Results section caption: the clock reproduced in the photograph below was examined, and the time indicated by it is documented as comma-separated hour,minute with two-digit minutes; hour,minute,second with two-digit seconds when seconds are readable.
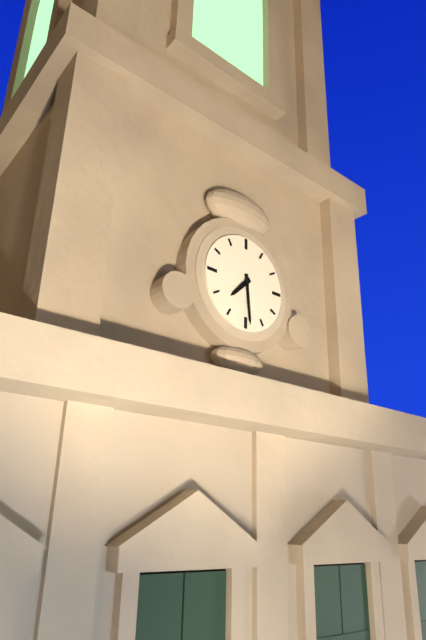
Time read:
7,29
